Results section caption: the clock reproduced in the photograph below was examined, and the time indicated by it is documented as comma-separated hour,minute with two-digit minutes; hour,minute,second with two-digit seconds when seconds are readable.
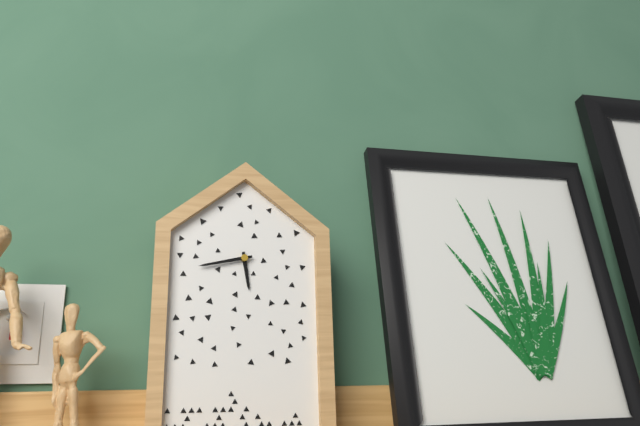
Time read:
5,43
